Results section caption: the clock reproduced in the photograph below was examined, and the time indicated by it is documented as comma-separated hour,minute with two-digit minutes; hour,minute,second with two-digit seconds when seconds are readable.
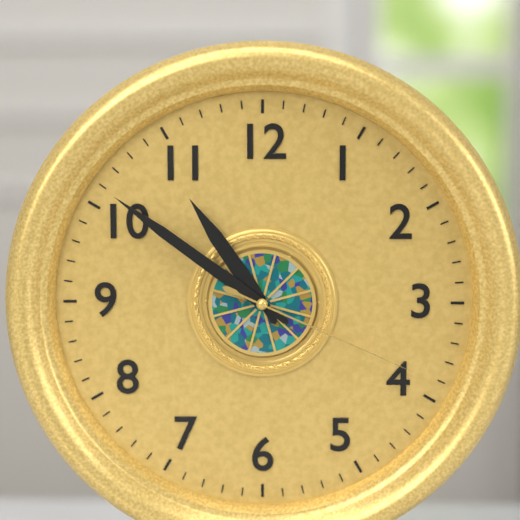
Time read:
10,51,19
